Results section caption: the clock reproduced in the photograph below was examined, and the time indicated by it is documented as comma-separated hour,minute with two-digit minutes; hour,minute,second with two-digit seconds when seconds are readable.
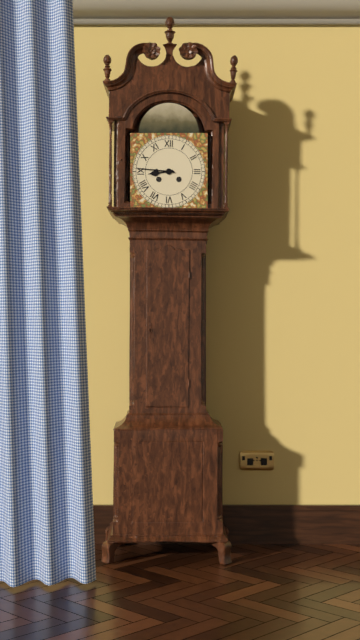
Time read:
8,46
